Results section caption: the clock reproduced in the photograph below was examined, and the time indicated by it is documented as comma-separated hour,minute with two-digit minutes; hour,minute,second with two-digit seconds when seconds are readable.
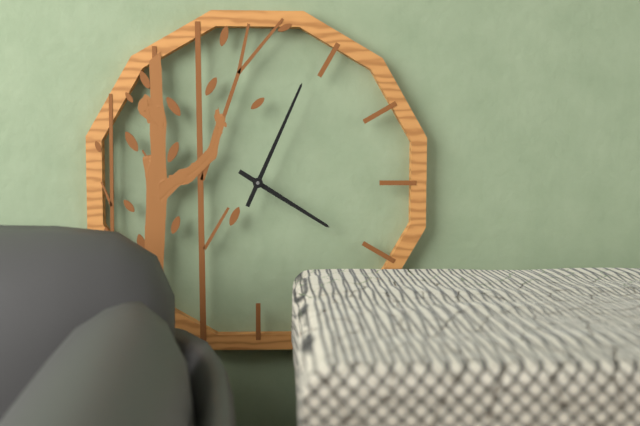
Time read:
4,04
